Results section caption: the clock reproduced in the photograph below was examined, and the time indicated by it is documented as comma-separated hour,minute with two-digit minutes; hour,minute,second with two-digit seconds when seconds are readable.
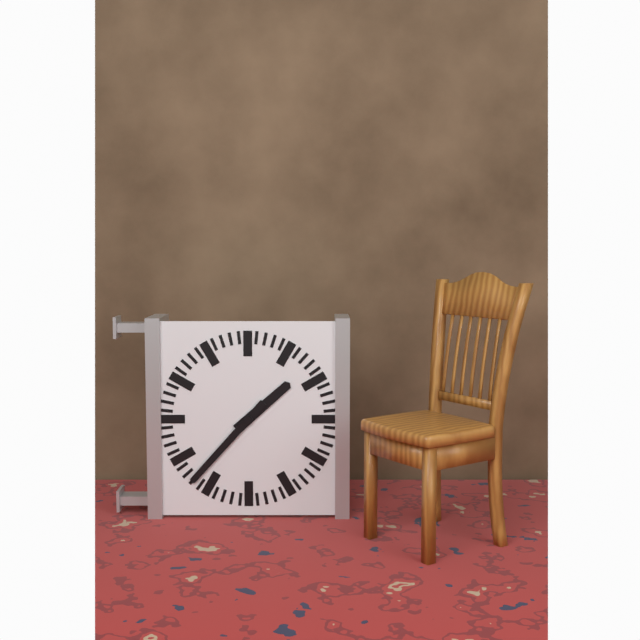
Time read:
1,37
